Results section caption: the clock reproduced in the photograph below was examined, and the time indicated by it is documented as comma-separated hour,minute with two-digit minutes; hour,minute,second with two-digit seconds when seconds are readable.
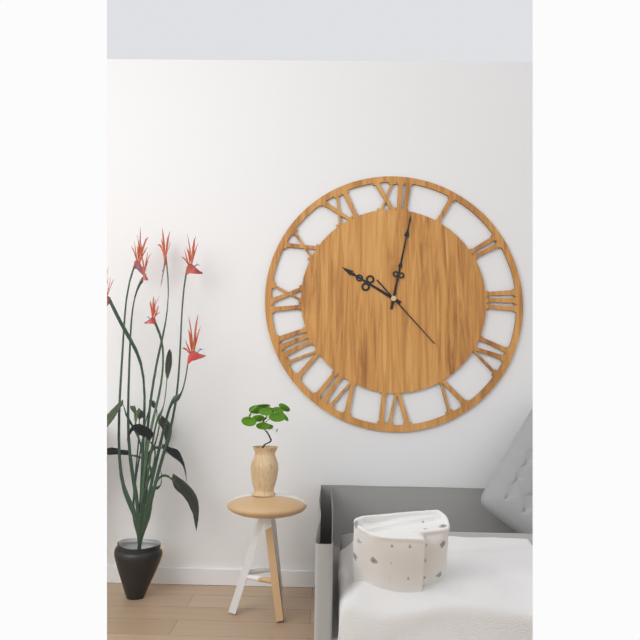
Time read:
10,02,23
